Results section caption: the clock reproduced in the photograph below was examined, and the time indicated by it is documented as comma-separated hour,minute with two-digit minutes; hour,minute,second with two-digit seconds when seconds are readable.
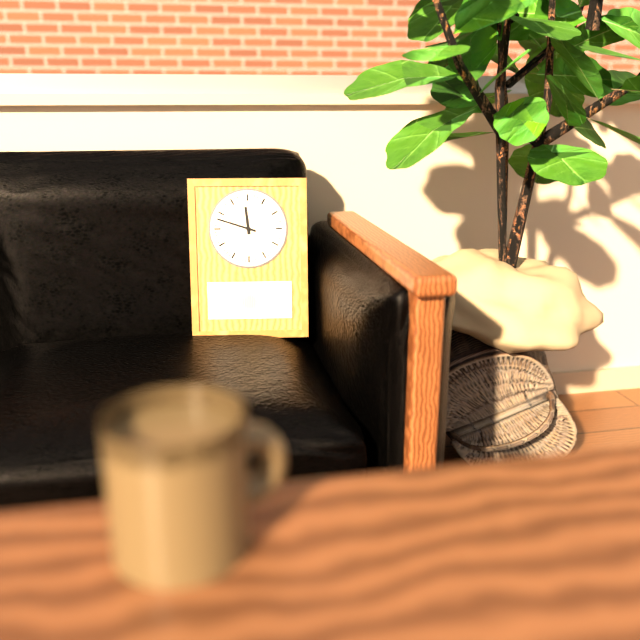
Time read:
11,48
